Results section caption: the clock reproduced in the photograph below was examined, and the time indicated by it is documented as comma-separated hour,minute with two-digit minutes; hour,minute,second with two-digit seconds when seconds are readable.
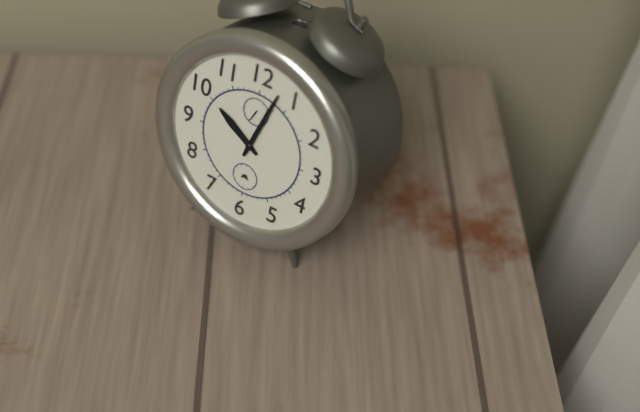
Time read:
10,03
